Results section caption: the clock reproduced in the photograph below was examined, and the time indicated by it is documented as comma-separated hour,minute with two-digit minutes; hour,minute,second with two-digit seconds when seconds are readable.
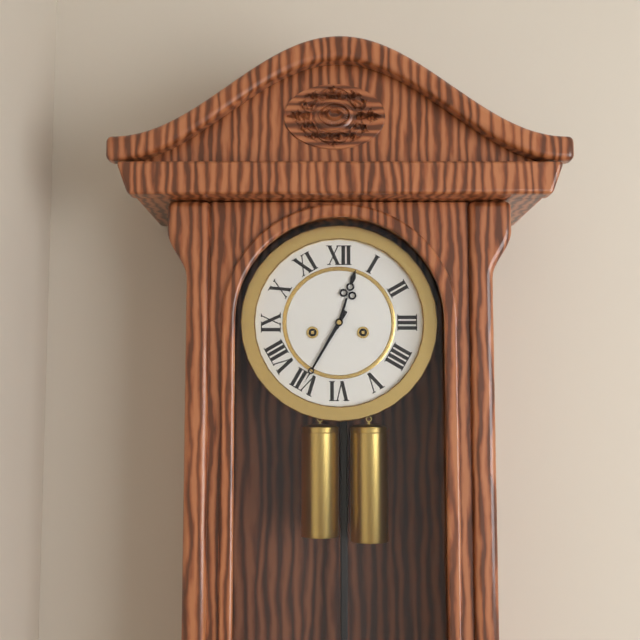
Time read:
12,35
